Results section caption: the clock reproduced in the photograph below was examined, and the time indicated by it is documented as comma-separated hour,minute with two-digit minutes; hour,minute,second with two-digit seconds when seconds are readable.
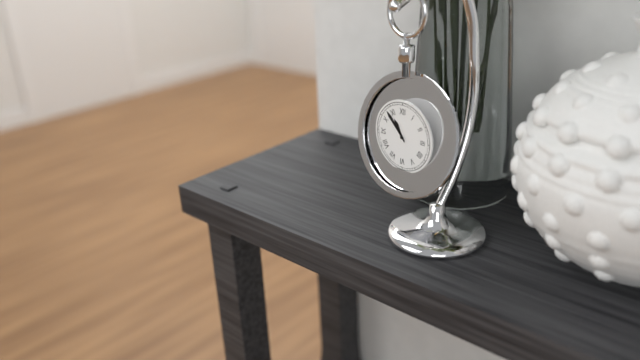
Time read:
10,53
